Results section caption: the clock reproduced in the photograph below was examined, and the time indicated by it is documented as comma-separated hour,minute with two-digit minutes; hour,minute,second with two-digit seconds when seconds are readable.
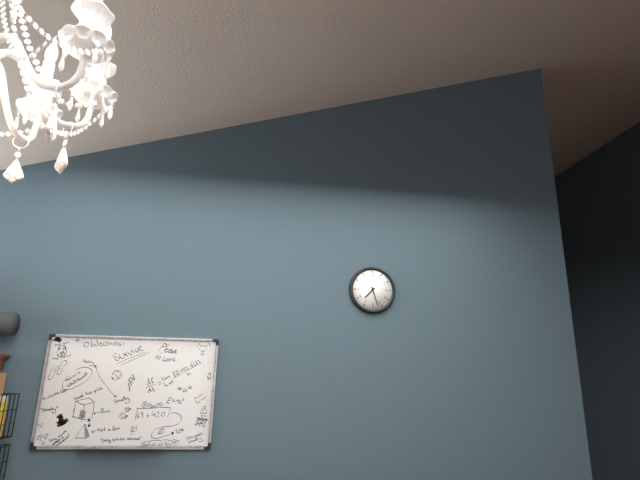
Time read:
7,27
